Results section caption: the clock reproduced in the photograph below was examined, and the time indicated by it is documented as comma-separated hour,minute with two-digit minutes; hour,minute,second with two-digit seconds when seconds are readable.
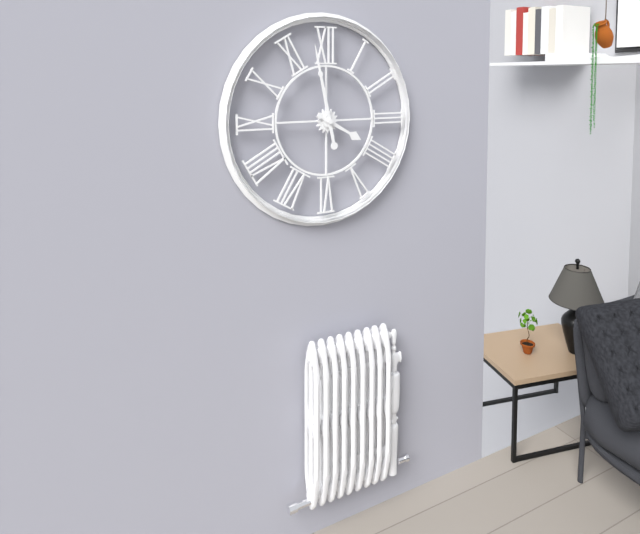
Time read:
3,58
